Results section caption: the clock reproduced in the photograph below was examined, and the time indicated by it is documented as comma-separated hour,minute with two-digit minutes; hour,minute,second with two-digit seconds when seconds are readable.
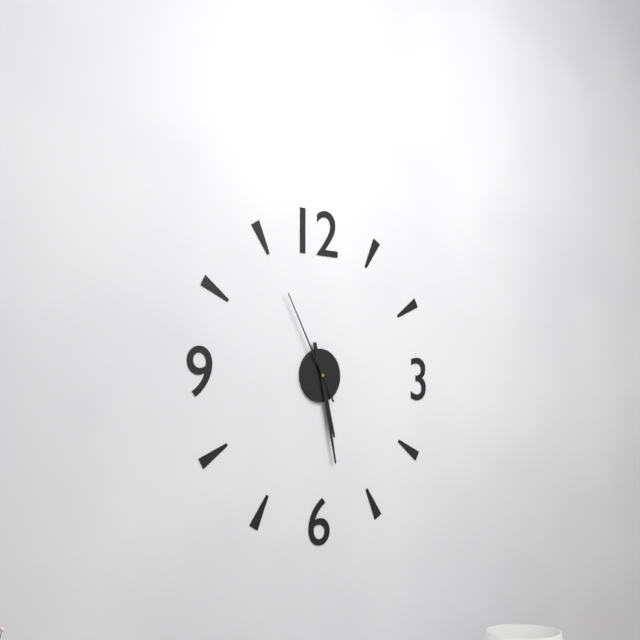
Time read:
5,28,55
